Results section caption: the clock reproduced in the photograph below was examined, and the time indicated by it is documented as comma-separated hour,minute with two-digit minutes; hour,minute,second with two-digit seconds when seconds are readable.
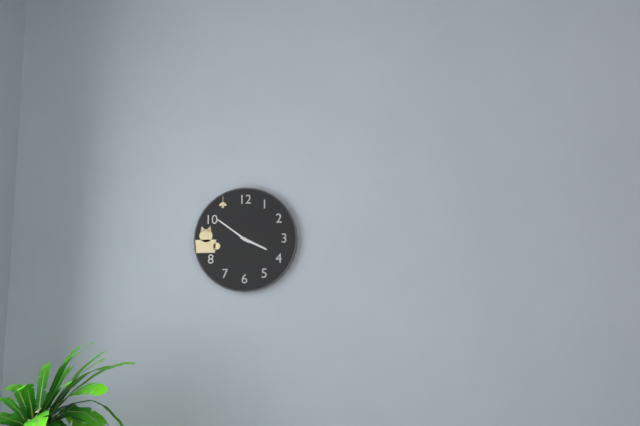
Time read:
3,51
